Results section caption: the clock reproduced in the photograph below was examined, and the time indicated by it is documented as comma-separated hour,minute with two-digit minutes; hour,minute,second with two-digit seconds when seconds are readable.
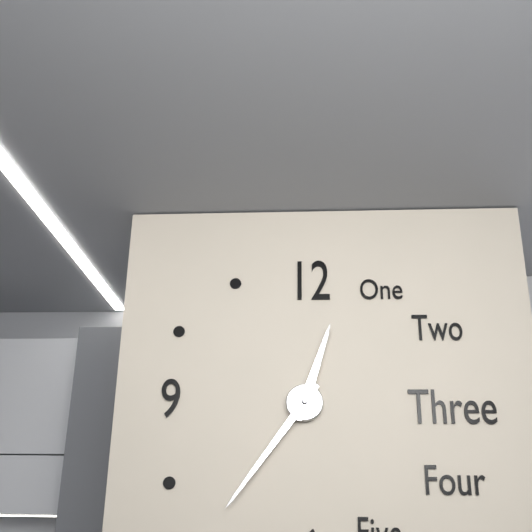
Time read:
12,36
